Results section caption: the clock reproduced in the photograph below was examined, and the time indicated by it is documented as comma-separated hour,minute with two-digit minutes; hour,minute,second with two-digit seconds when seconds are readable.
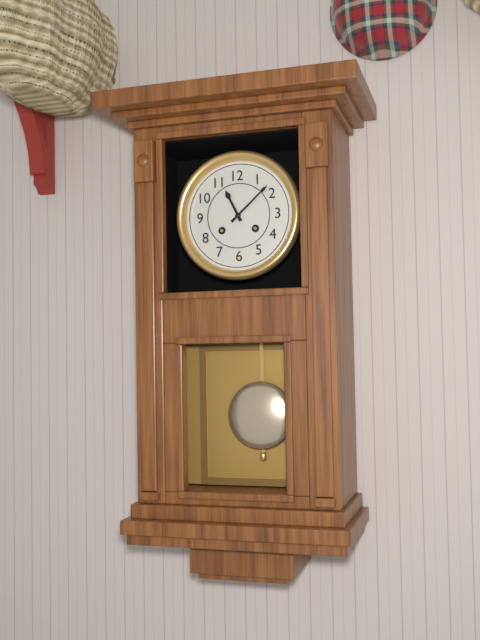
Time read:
11,08
